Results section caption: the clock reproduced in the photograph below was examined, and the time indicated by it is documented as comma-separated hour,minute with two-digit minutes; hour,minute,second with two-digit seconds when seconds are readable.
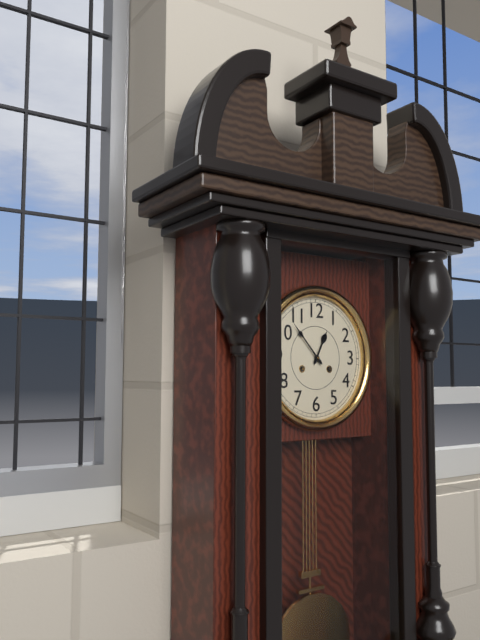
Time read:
12,53
